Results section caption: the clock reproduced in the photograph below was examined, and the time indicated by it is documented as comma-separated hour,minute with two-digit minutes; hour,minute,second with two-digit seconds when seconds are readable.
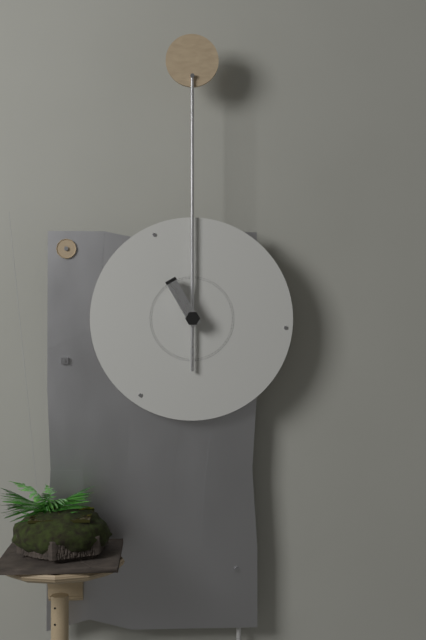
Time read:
11,00
